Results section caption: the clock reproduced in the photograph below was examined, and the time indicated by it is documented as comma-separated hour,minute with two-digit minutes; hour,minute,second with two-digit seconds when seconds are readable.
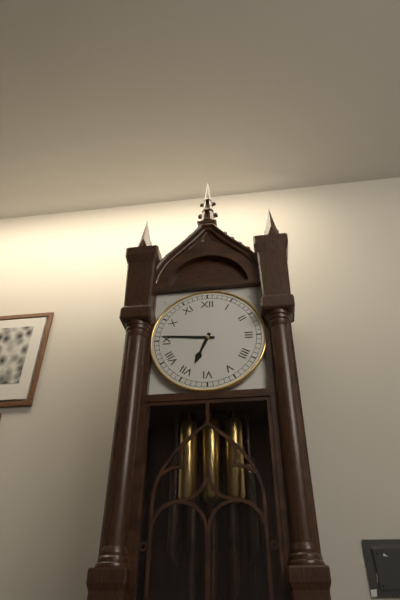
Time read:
6,46
